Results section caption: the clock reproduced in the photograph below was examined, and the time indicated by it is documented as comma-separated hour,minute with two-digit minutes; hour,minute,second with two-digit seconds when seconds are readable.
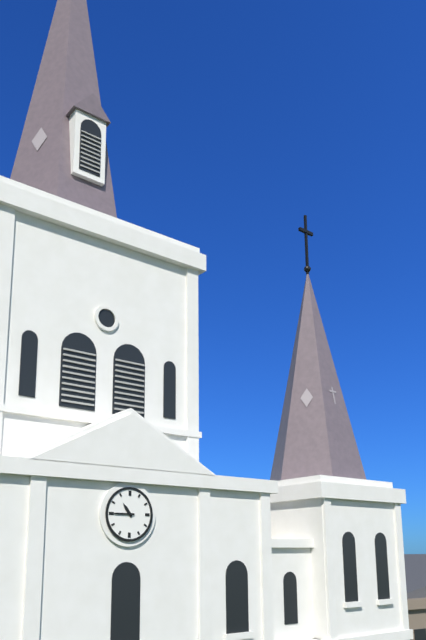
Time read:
10,45
